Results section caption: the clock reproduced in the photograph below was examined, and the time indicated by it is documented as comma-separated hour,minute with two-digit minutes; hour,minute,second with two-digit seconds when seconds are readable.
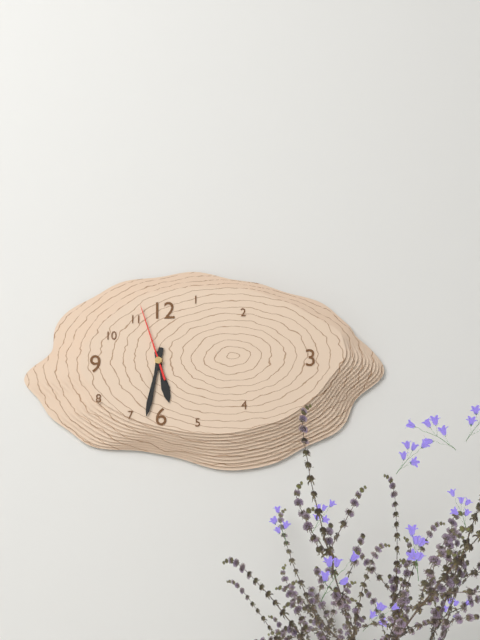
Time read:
5,32,57
